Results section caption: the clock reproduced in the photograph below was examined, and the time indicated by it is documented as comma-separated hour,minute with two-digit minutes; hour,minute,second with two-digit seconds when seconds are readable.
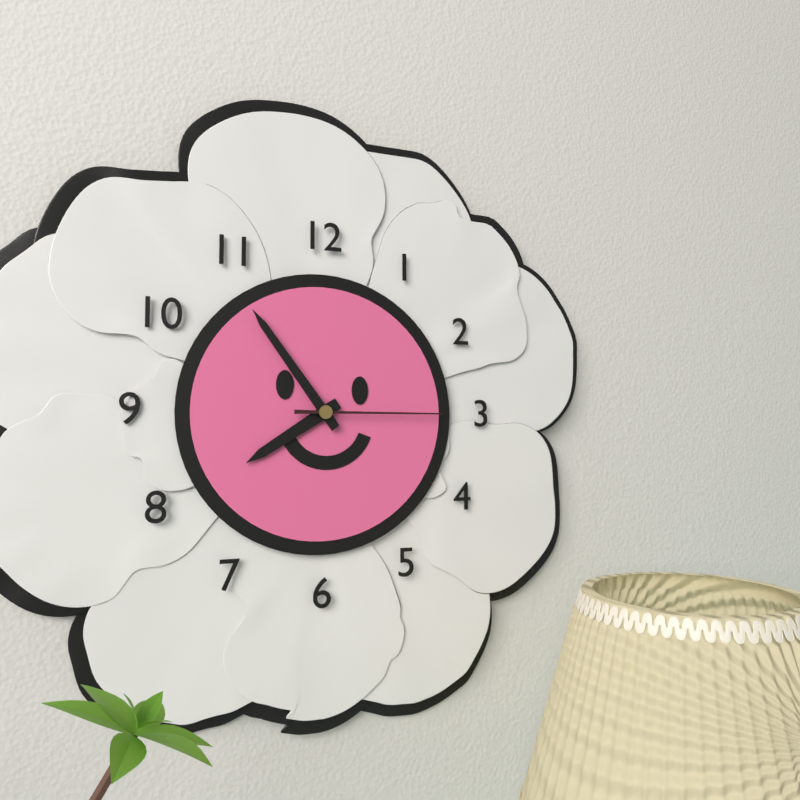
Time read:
7,54,15
